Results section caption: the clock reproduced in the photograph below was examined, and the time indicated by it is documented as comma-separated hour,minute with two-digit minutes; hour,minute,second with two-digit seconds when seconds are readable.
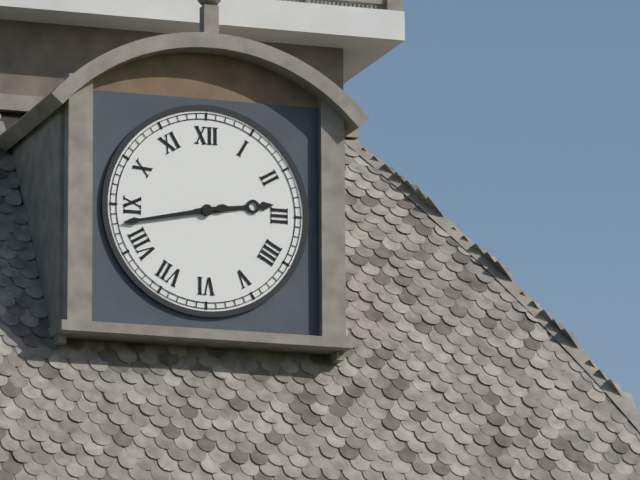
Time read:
2,43
